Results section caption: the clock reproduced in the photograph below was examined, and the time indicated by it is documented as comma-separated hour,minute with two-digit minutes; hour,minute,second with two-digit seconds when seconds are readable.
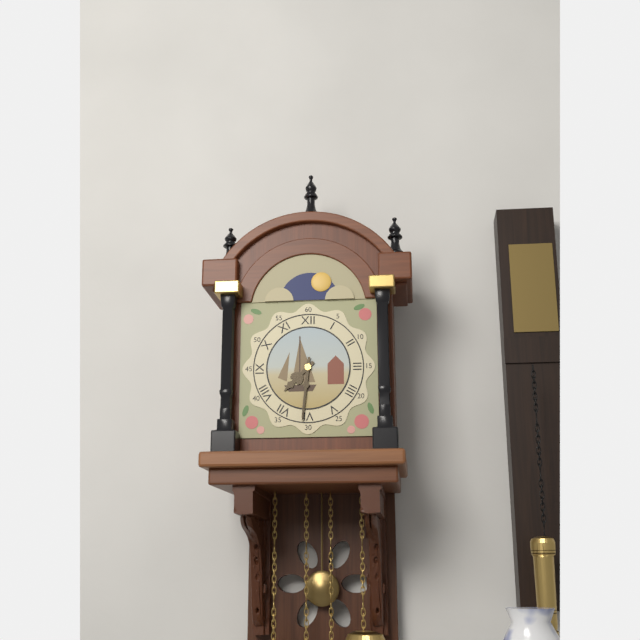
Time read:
7,31
